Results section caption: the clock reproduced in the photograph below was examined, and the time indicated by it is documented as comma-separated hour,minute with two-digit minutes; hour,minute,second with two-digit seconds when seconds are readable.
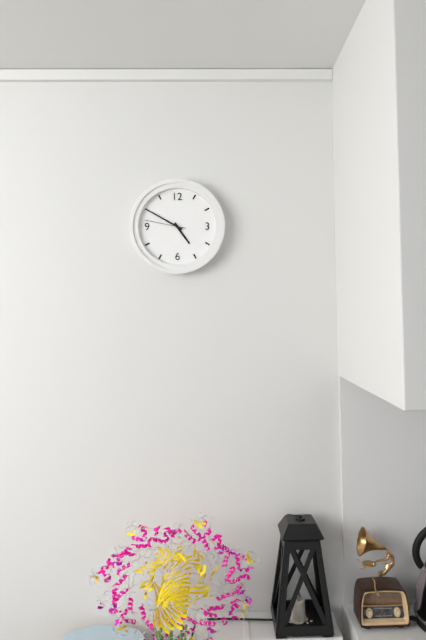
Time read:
4,50
